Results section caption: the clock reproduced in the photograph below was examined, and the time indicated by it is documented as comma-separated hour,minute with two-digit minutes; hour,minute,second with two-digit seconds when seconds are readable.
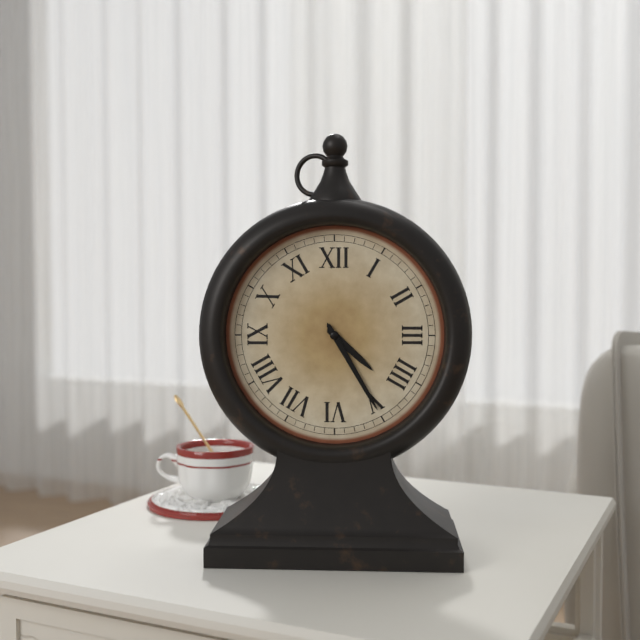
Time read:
4,25
